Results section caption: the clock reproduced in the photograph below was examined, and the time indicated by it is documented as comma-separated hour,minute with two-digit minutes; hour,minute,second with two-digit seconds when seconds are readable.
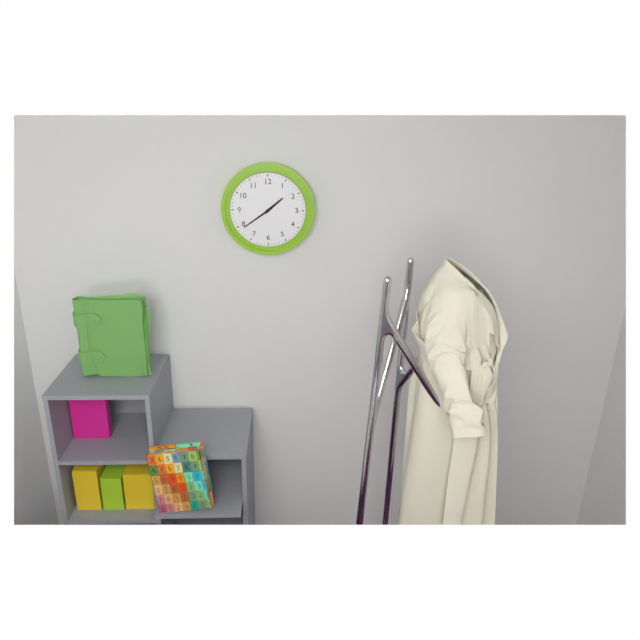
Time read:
1,39
